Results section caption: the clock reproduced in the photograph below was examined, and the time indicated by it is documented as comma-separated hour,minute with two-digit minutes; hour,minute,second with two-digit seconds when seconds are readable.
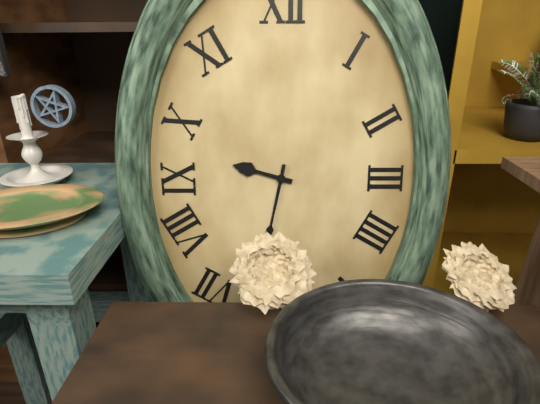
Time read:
9,32
